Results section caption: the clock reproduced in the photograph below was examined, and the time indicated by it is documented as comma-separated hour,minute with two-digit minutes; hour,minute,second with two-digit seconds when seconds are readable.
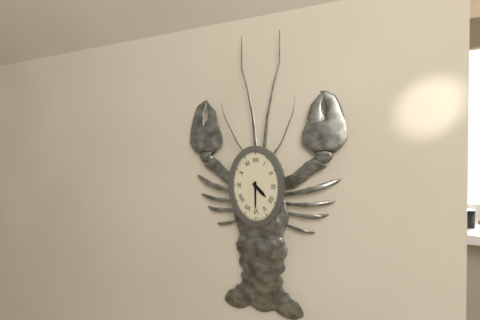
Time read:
4,30
